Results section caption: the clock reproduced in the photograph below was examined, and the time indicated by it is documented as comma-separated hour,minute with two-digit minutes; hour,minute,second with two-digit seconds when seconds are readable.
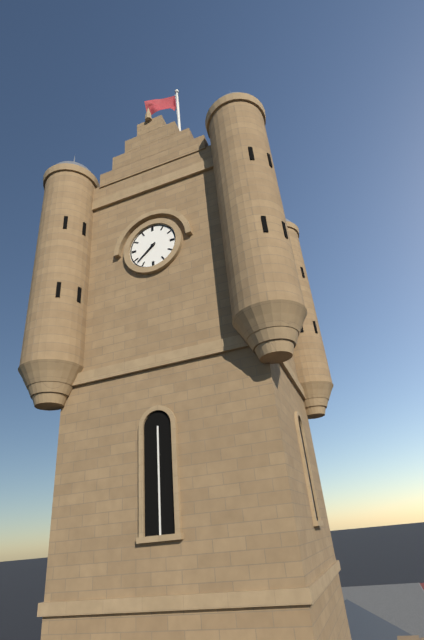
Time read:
7,38
